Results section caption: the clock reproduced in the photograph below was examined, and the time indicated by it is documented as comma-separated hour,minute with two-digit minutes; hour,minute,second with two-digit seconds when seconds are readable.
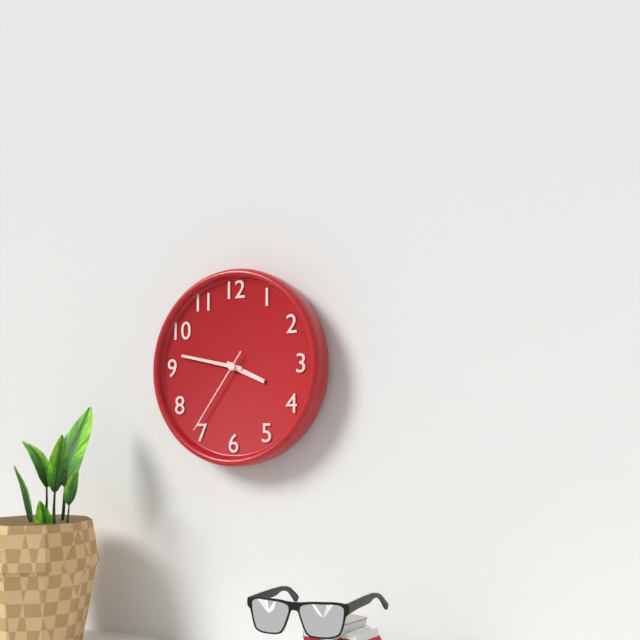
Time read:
3,47,36
